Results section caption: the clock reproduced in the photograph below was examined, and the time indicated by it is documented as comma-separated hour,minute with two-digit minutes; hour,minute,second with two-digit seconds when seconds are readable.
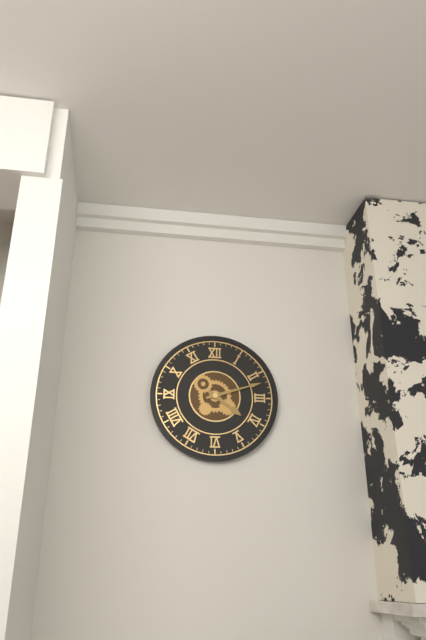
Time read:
4,12
